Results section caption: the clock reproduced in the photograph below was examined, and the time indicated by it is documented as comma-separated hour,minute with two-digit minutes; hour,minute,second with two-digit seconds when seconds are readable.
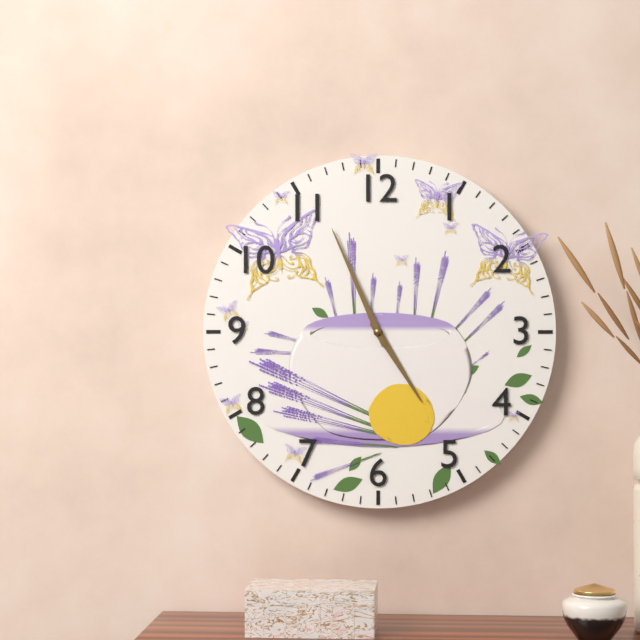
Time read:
4,56
